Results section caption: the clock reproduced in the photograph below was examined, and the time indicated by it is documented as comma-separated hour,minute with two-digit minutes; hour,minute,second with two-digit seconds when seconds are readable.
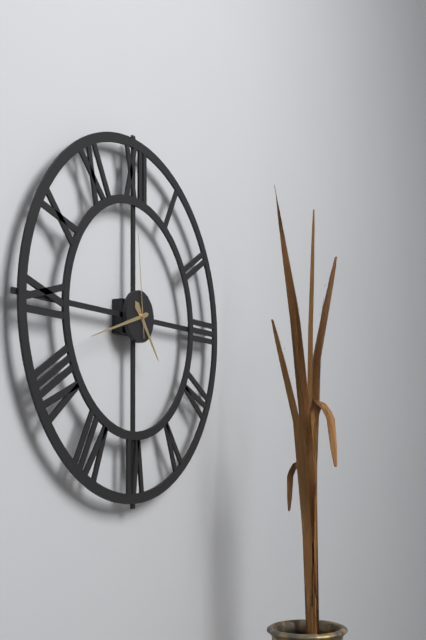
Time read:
4,42,59
